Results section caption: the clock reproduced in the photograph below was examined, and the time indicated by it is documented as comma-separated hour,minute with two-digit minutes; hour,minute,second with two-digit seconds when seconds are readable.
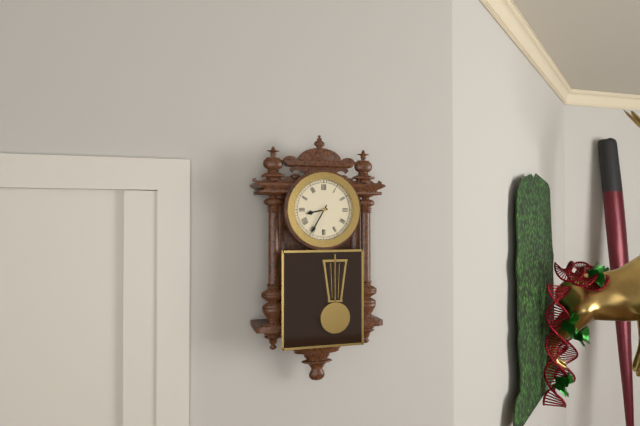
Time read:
8,35
